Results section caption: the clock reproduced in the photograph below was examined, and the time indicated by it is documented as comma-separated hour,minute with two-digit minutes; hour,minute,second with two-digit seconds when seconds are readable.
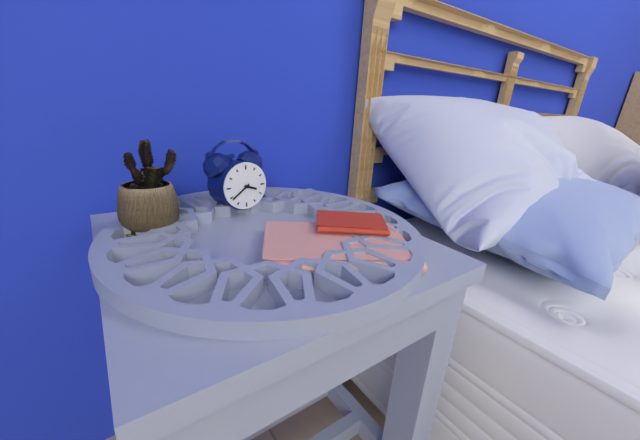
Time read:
3,39
